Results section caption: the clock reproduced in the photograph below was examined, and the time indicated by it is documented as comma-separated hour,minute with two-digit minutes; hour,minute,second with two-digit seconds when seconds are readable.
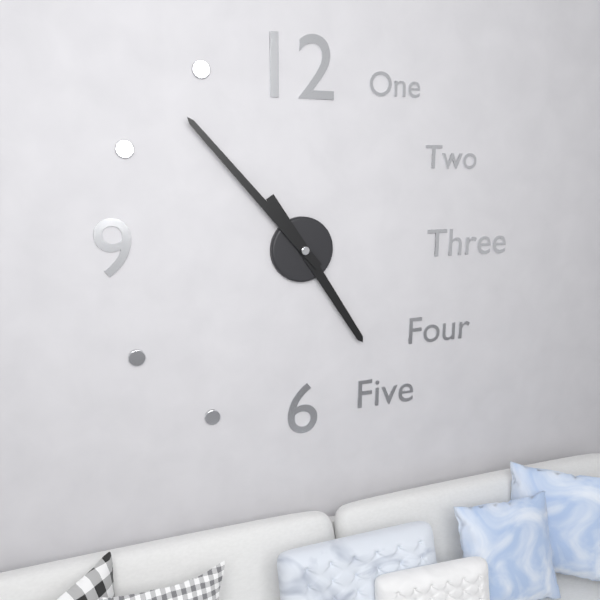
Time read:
4,53
